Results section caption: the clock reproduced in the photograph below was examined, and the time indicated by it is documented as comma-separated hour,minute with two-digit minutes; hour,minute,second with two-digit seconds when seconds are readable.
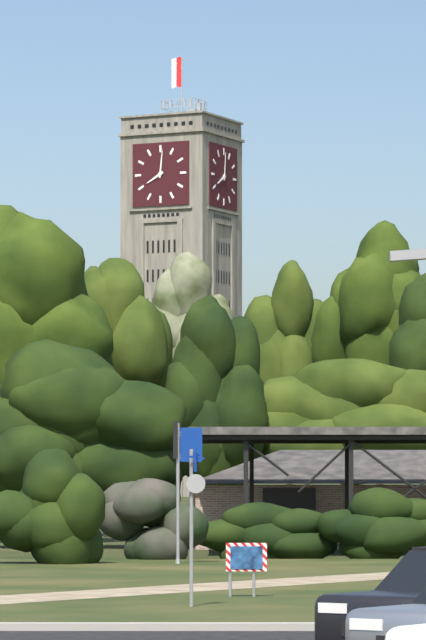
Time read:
8,01
